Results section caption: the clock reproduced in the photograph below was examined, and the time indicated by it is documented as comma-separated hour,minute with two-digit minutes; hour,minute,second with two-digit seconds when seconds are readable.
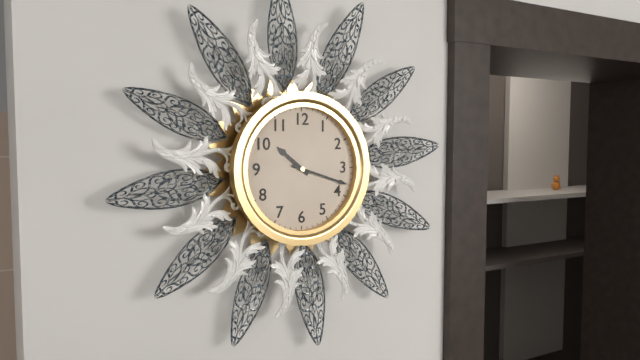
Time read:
10,18
